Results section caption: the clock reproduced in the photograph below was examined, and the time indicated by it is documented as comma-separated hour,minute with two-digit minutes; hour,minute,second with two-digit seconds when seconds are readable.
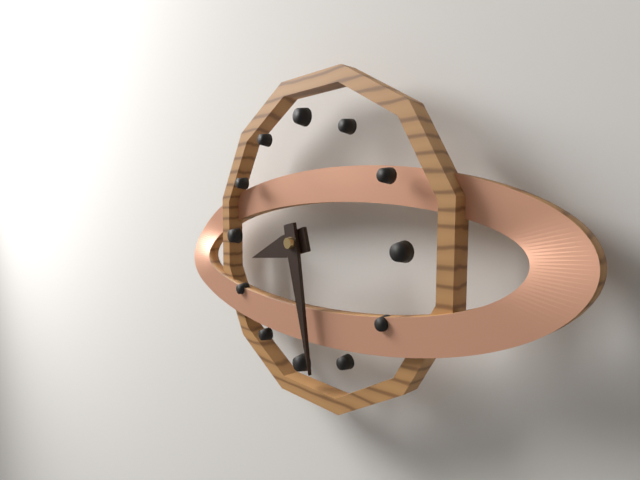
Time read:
8,28
